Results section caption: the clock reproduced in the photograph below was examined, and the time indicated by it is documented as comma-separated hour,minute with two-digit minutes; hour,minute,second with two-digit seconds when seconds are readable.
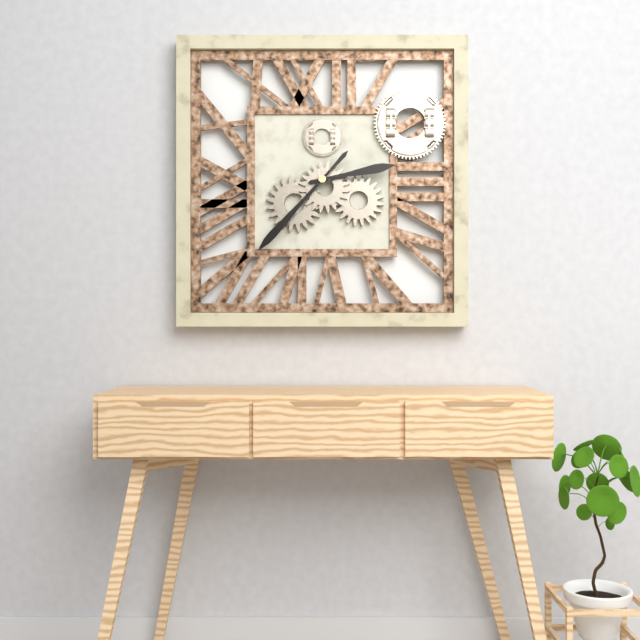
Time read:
2,37
